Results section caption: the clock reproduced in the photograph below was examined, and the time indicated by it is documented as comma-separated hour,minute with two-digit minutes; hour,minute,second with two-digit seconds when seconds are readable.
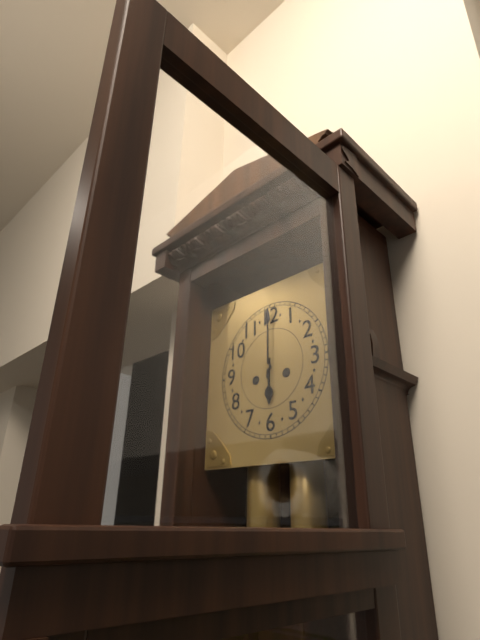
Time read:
6,00
